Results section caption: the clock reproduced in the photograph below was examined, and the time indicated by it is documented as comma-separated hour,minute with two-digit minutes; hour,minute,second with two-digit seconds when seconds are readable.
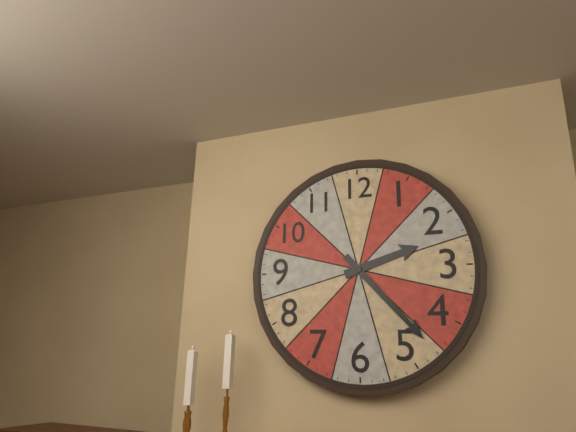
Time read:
2,23
